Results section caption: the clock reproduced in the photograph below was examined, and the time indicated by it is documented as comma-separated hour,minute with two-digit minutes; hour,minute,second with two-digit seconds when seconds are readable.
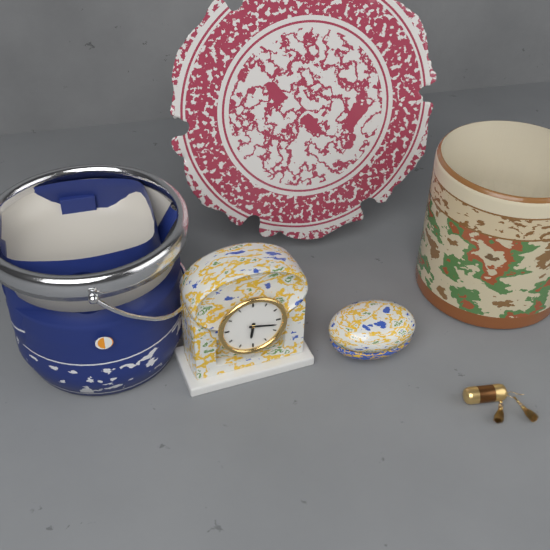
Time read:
6,17
